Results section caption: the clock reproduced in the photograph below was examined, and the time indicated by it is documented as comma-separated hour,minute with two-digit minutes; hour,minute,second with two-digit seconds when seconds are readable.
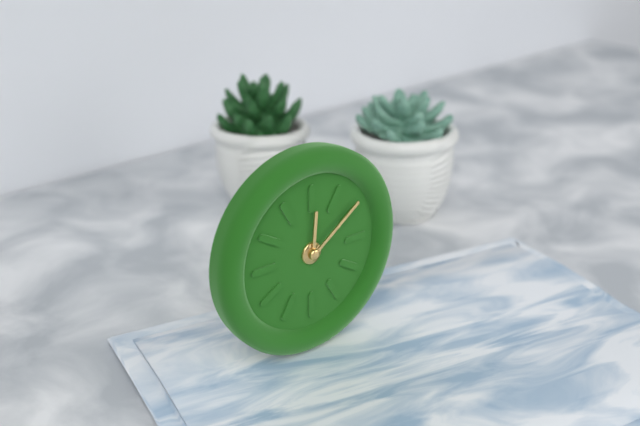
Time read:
12,09
